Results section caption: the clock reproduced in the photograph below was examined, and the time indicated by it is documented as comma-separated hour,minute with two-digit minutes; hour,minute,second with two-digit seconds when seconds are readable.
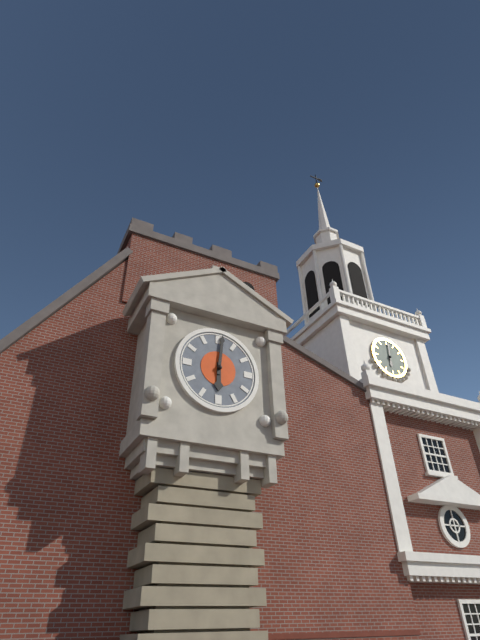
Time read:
6,01
